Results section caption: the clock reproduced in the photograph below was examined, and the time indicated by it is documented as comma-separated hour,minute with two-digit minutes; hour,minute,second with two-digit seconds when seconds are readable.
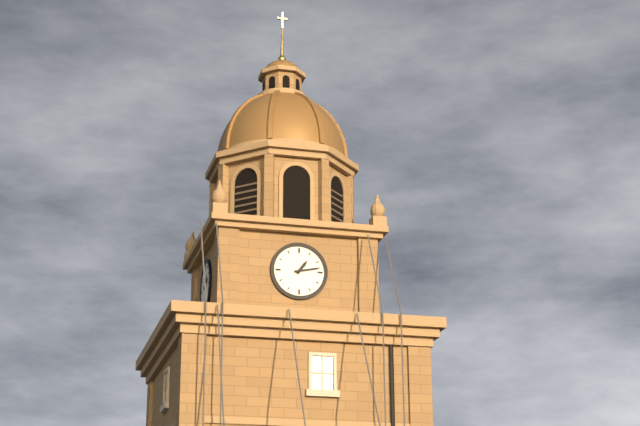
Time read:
1,13
